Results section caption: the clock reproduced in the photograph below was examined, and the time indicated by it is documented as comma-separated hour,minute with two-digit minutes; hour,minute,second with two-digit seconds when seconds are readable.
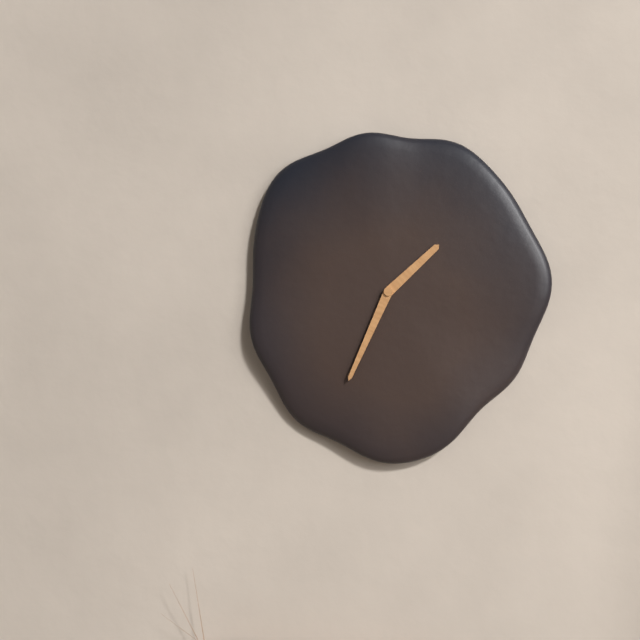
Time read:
1,34
